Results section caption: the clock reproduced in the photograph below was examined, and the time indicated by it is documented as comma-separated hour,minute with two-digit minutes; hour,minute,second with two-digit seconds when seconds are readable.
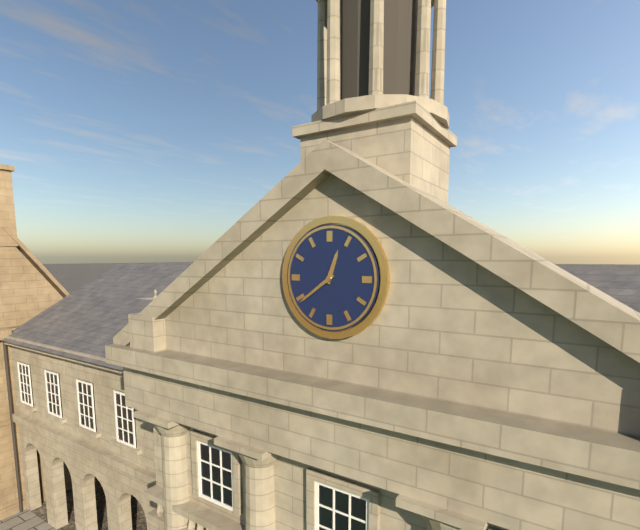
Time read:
12,39
